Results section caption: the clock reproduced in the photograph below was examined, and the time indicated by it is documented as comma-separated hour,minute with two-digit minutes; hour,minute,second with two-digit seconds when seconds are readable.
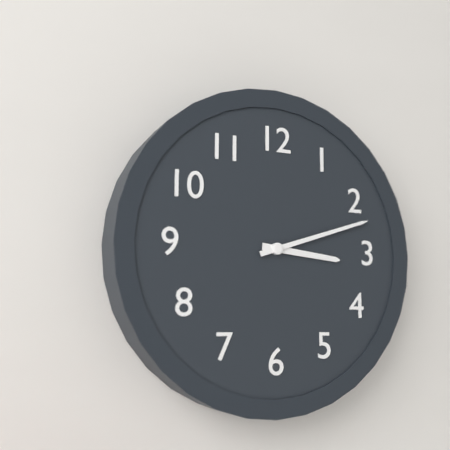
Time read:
3,12
